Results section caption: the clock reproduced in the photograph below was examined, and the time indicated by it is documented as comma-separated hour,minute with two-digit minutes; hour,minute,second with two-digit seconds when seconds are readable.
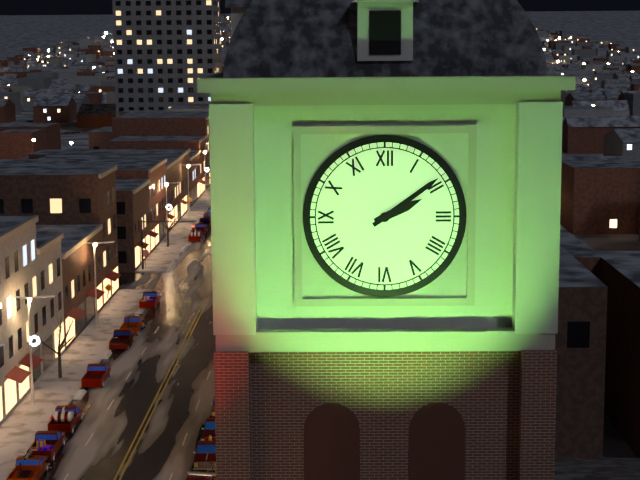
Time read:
2,09
